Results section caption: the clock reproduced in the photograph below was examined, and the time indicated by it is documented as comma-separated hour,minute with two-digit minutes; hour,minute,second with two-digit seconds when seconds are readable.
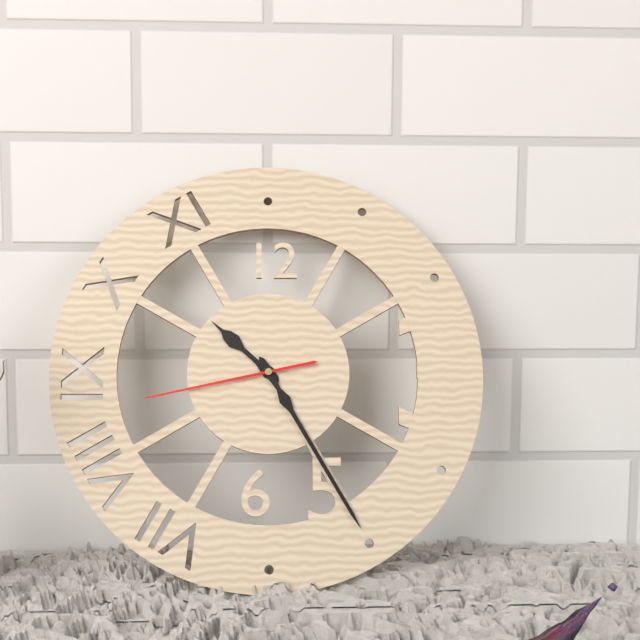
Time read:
10,25,43
